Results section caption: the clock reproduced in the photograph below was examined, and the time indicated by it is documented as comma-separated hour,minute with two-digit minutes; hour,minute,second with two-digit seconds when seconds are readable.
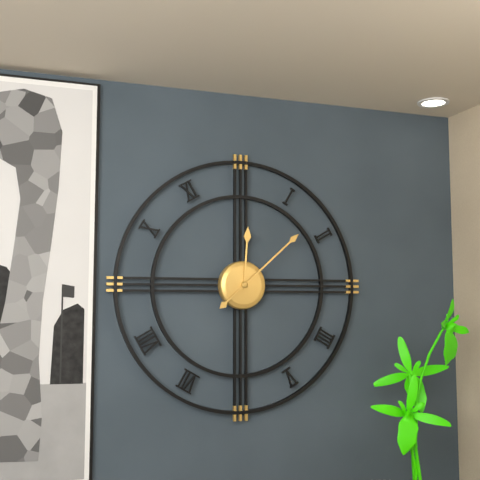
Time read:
12,08
